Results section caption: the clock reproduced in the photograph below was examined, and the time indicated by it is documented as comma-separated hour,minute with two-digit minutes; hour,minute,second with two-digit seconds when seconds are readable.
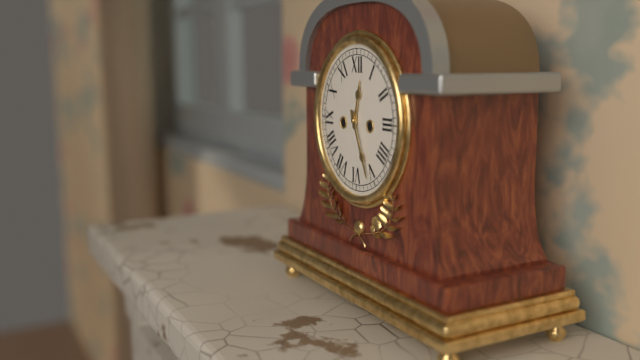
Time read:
12,26
